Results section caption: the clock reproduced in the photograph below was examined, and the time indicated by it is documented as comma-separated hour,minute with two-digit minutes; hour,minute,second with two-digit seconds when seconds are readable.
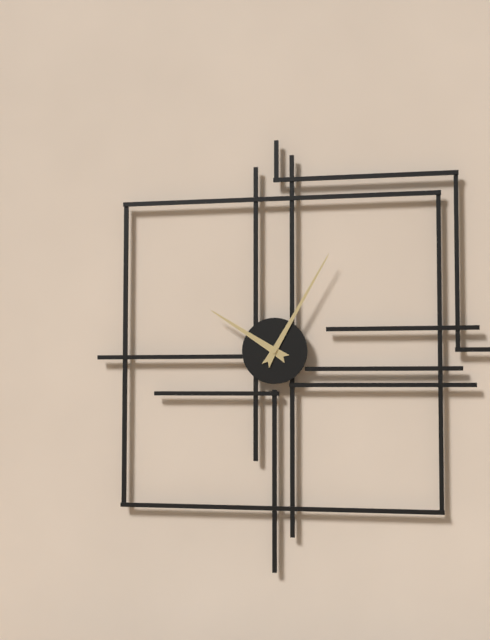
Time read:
10,05
